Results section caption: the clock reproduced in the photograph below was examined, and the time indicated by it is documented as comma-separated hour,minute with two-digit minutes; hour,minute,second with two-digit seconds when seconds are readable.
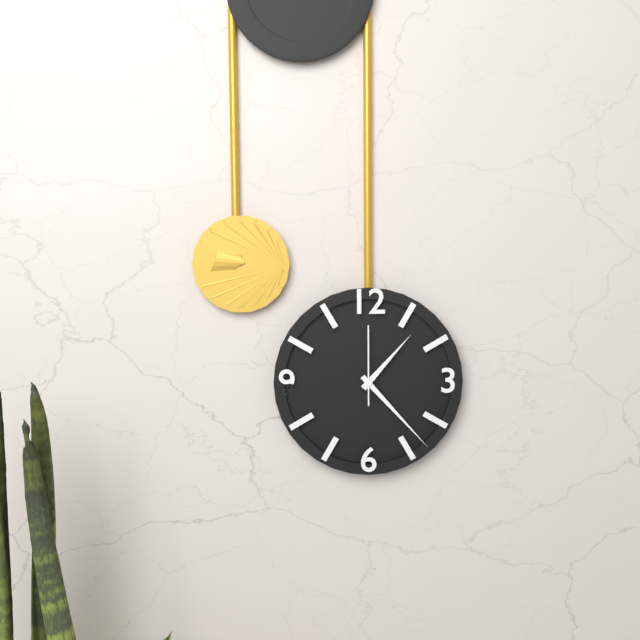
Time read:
1,23,00
